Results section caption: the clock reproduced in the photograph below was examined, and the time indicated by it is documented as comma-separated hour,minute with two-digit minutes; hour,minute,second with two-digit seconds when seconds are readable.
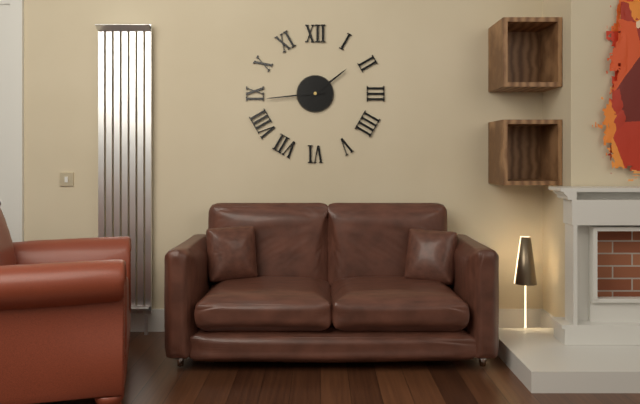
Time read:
1,44
